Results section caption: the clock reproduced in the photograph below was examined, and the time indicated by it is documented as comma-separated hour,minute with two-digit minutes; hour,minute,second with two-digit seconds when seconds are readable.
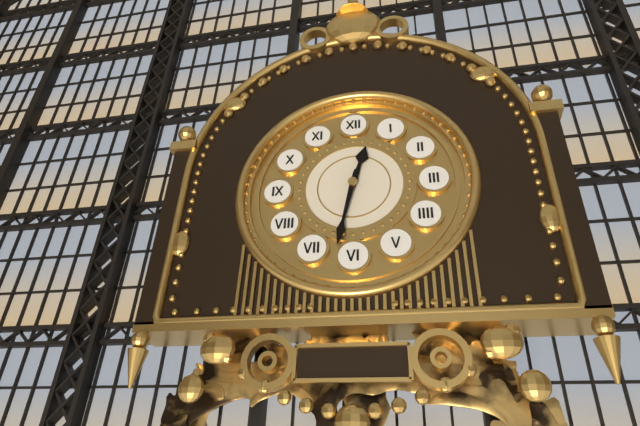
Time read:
12,32
